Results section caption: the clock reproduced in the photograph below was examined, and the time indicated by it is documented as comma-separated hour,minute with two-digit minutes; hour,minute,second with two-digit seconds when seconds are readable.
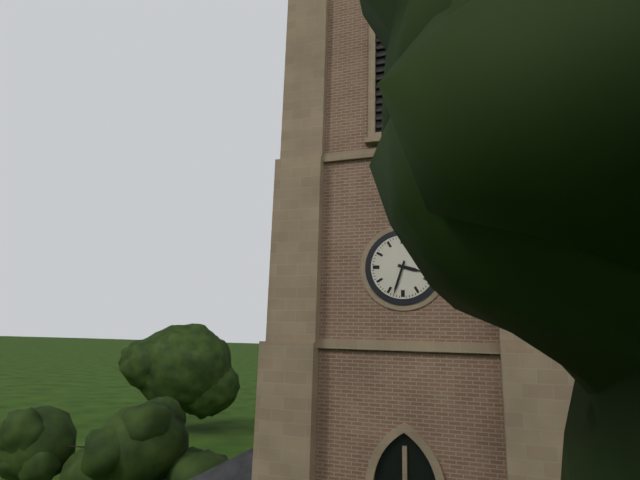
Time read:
3,33
